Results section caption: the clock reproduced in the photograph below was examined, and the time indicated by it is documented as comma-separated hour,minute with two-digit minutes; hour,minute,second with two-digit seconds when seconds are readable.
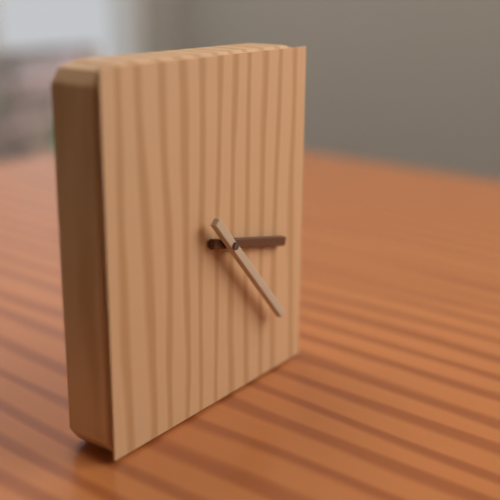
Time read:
3,23
